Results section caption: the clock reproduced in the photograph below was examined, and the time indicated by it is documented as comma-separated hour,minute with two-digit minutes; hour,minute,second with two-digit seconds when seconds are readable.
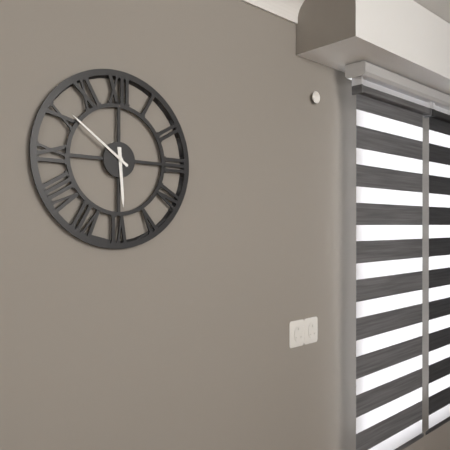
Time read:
5,51
